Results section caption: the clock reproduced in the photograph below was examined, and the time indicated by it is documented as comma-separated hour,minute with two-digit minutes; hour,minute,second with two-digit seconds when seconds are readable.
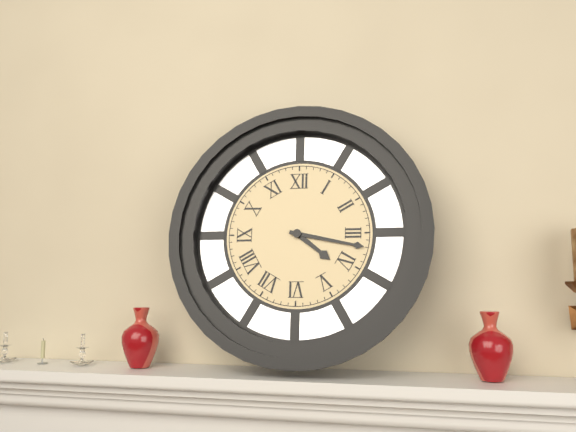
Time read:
4,17
